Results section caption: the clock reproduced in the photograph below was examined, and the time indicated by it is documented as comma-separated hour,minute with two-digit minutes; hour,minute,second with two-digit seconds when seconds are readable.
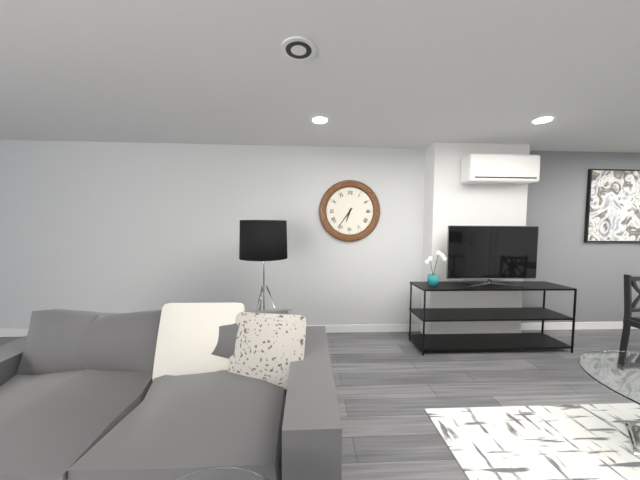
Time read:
6,36
